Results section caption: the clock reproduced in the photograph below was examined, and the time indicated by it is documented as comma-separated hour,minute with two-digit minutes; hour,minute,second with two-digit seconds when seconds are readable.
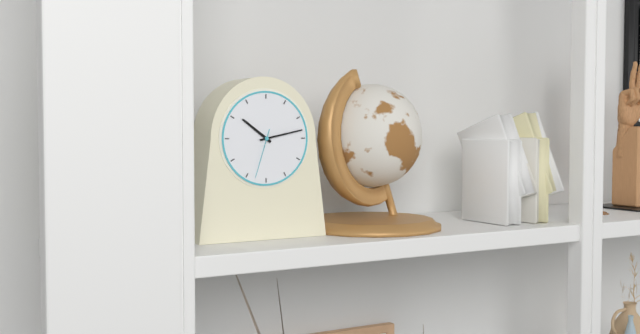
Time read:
10,13,33
